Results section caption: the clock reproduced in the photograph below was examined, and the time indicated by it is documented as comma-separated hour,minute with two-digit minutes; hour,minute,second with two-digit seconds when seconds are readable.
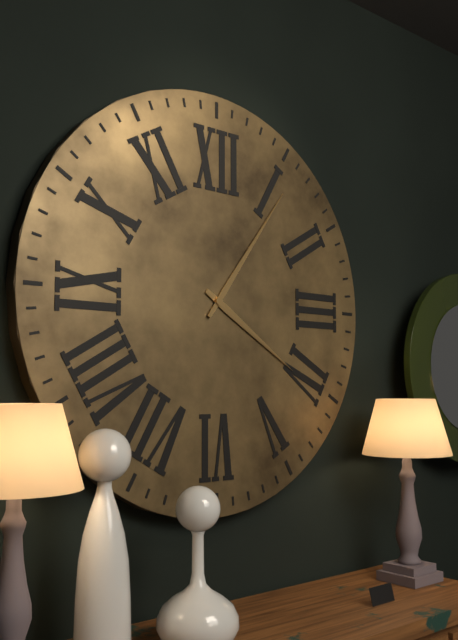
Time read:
4,06
